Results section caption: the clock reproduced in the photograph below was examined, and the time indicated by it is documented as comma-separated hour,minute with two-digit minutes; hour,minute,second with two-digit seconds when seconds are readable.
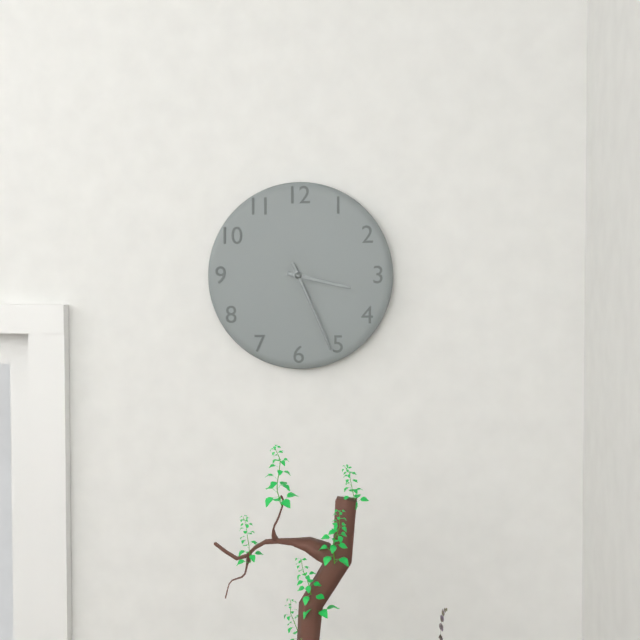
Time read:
3,26
